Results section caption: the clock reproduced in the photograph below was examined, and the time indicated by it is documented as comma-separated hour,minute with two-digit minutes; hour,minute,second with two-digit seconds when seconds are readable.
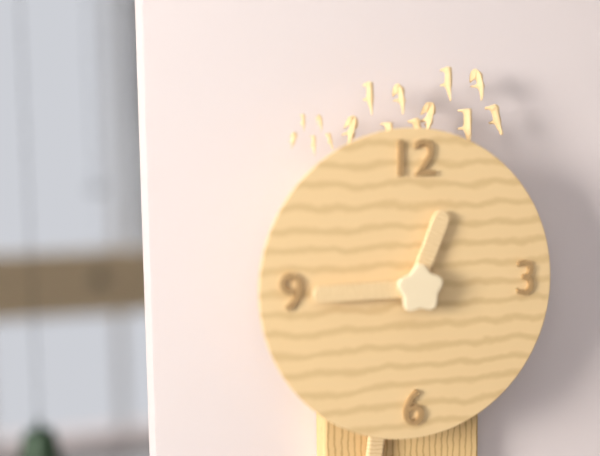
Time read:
12,45
